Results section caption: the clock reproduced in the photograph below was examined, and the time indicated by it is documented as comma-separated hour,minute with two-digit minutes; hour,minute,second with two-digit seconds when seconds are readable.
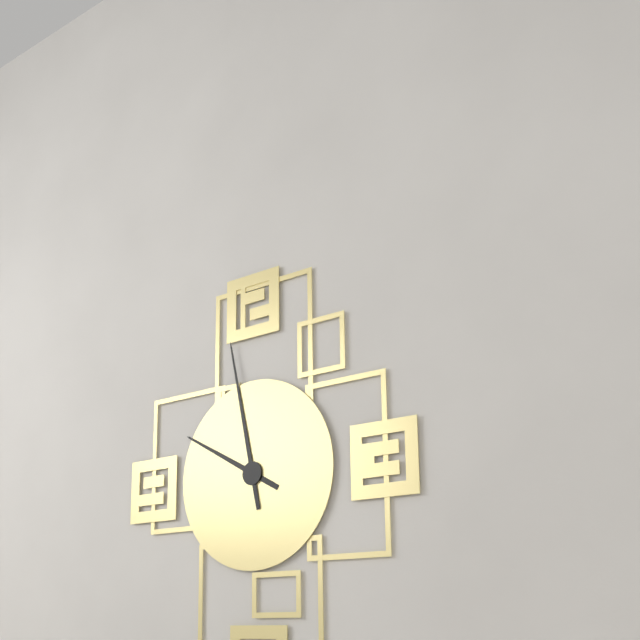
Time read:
9,58
